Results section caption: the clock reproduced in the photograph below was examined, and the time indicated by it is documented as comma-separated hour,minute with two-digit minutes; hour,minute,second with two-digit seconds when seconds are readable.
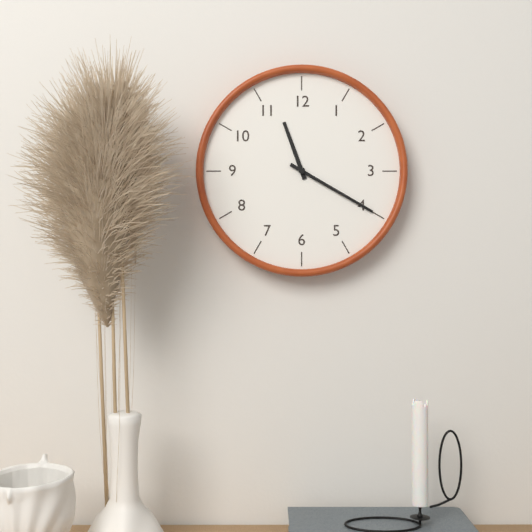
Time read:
11,20
